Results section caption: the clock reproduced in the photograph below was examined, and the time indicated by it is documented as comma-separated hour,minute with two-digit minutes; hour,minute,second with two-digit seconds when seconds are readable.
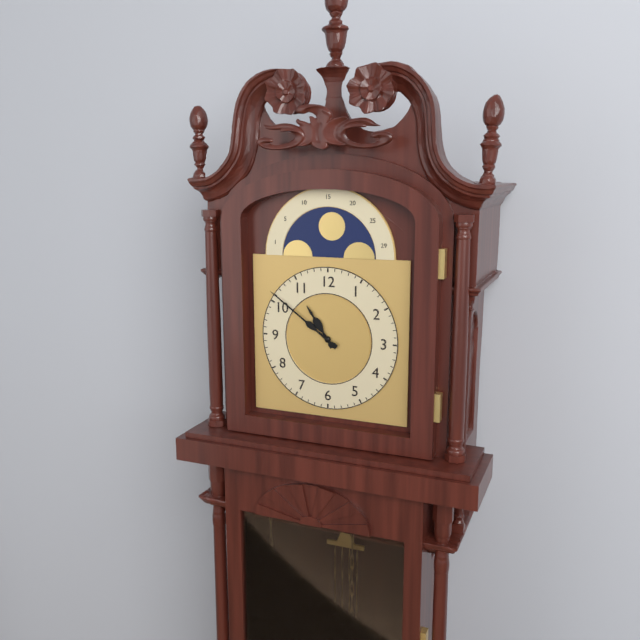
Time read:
10,51
